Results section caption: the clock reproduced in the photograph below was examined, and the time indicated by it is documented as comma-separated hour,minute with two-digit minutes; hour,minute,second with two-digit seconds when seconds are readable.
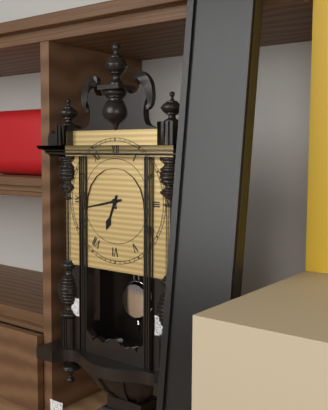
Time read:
6,43
